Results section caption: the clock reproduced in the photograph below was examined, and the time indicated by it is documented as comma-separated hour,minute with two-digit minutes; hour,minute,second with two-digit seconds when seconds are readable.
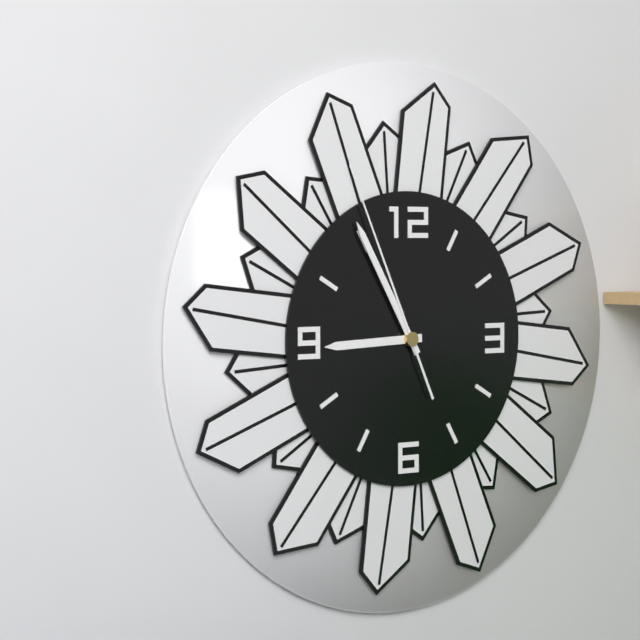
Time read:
8,55,56
